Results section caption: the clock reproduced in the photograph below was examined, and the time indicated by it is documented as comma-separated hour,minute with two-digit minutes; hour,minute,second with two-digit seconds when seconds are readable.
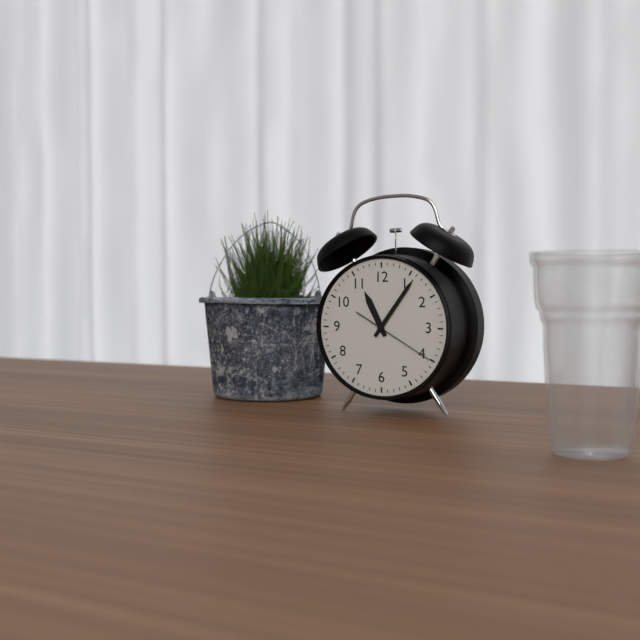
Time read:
11,06,20
